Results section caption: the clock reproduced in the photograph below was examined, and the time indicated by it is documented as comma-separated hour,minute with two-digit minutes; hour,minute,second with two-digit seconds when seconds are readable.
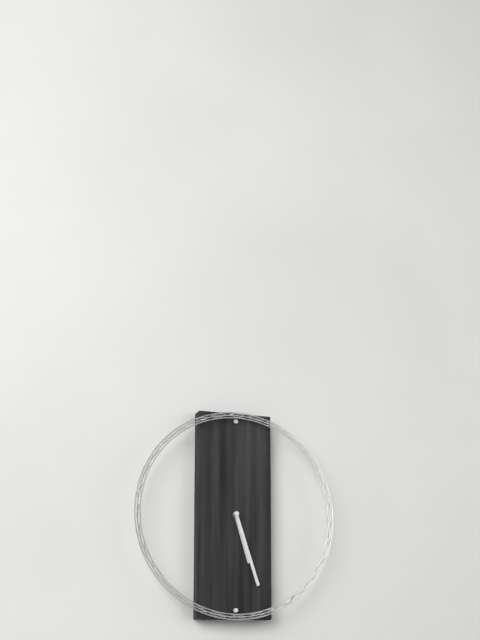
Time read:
5,27
